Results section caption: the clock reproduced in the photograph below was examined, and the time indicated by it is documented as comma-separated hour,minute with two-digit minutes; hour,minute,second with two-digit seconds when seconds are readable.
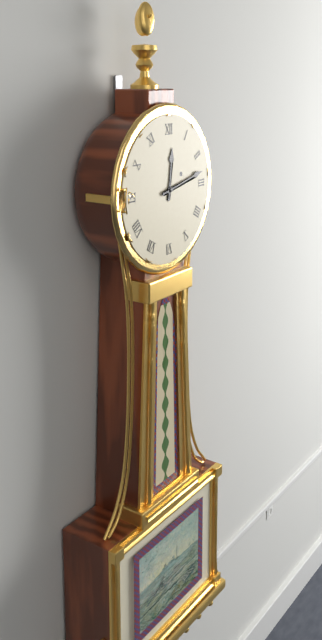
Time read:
12,13
